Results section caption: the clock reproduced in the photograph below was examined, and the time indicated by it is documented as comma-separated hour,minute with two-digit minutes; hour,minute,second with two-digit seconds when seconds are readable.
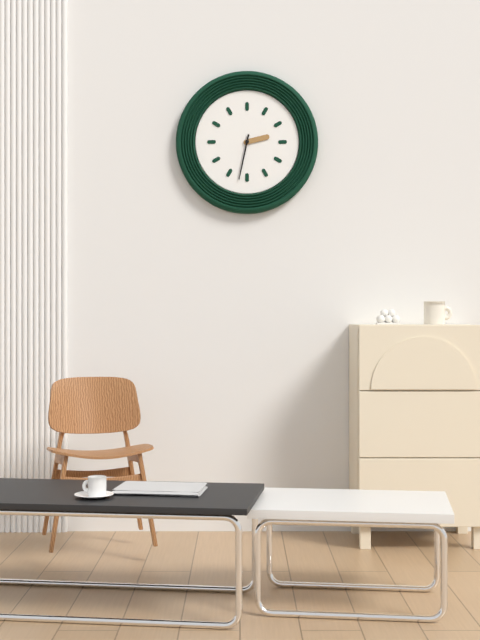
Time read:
2,32
